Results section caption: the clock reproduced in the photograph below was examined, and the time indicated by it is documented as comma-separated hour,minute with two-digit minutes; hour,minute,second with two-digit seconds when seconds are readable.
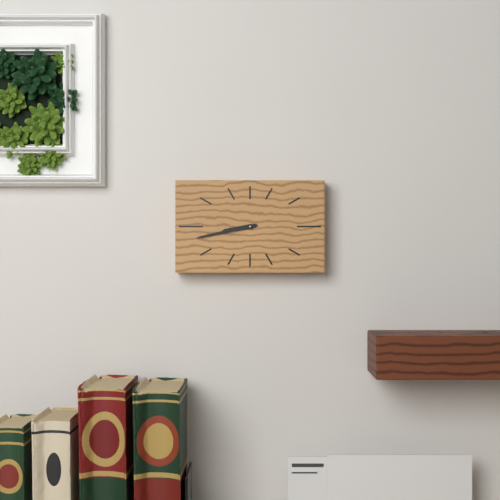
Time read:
8,43
